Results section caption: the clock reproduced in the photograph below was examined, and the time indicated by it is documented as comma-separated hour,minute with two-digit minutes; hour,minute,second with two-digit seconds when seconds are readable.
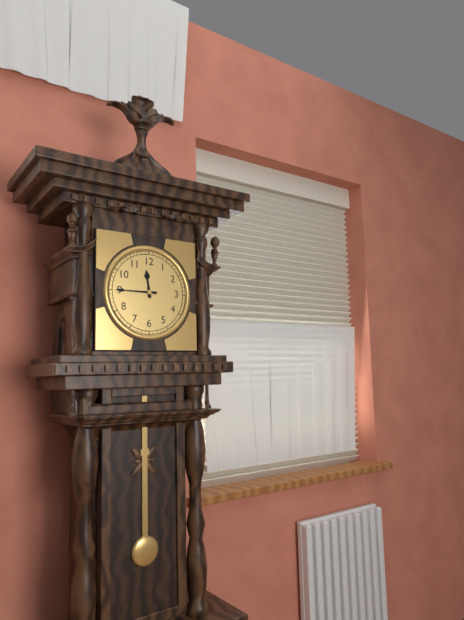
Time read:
11,45
